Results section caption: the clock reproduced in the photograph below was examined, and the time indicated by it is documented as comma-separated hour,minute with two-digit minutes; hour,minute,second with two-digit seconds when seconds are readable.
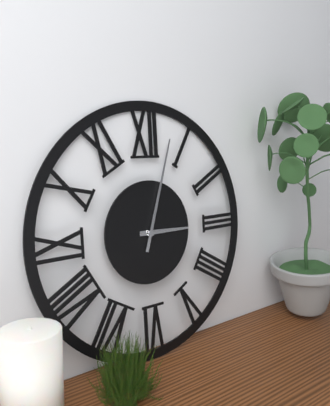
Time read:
3,03
